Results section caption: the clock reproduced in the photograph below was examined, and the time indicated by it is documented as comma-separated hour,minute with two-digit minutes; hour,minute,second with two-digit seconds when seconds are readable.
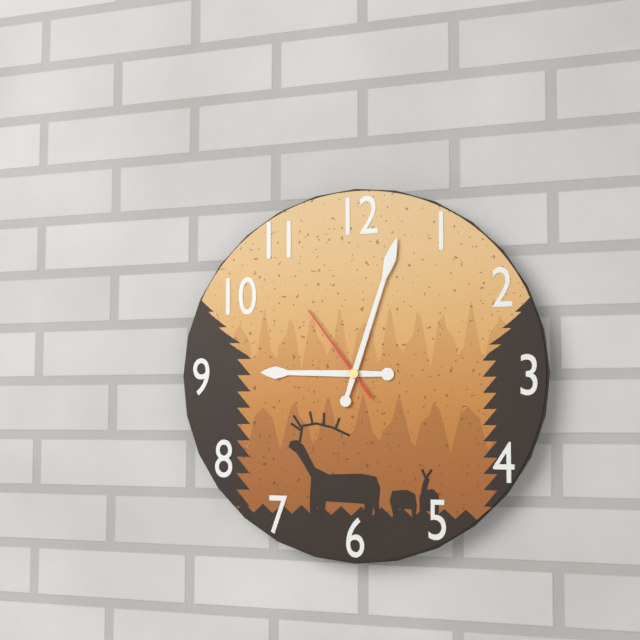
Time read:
9,03,54
